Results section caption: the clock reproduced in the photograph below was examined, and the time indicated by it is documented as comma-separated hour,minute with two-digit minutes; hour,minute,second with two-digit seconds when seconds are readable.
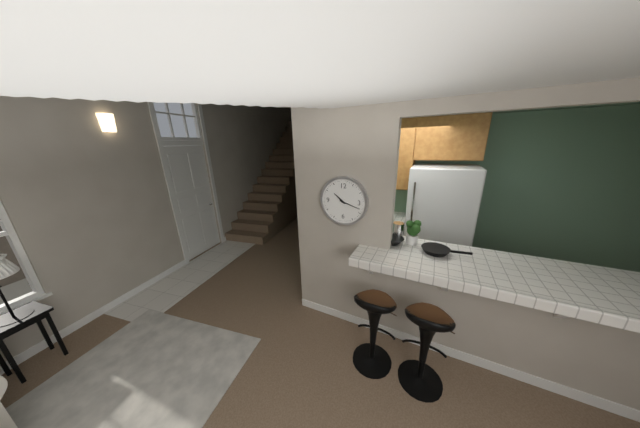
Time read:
10,18
